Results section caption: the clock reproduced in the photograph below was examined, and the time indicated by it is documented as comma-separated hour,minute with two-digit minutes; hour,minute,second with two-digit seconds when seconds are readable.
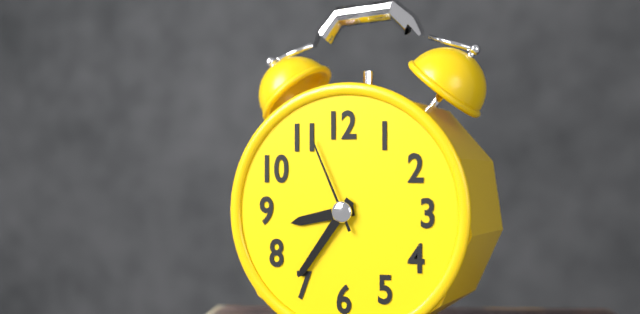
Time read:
8,36,56
